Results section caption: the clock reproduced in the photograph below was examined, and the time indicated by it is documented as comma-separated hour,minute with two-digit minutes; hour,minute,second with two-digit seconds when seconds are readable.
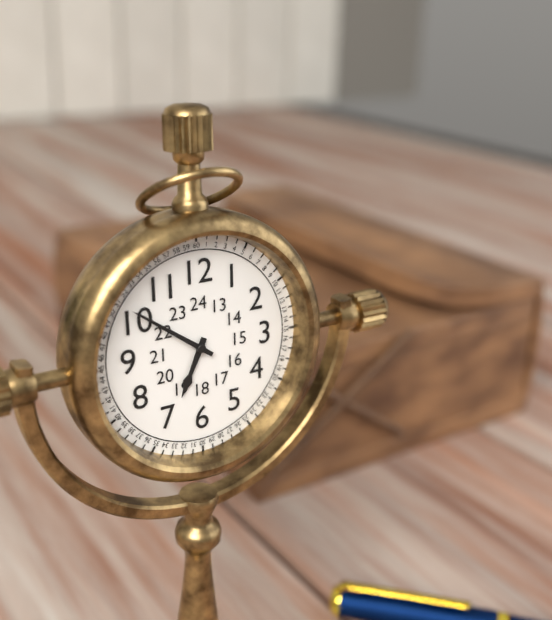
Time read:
6,51
